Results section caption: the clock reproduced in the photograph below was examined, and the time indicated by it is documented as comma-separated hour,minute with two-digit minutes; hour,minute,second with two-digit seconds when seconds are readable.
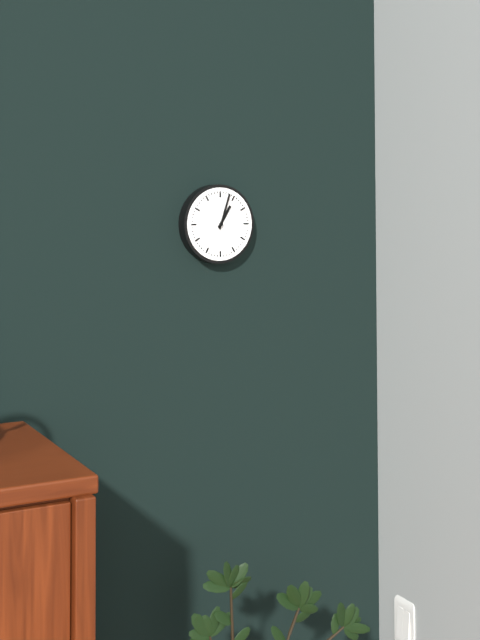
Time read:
1,03
